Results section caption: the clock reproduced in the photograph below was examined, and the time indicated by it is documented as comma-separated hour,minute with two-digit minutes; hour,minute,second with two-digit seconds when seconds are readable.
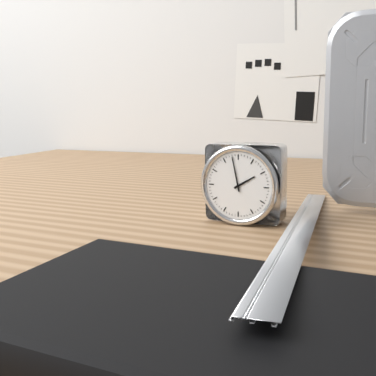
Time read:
1,58
